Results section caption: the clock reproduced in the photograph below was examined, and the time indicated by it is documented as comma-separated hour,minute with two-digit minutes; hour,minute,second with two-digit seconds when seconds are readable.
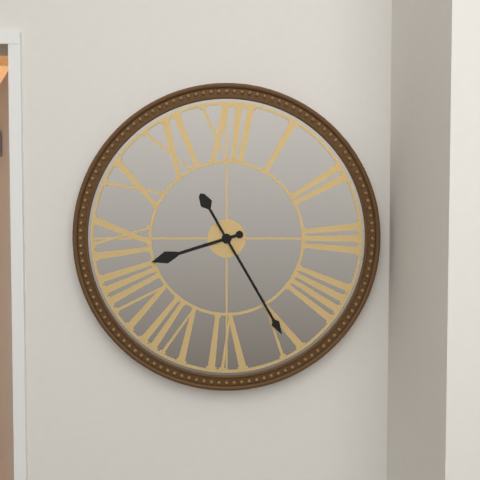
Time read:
8,25
